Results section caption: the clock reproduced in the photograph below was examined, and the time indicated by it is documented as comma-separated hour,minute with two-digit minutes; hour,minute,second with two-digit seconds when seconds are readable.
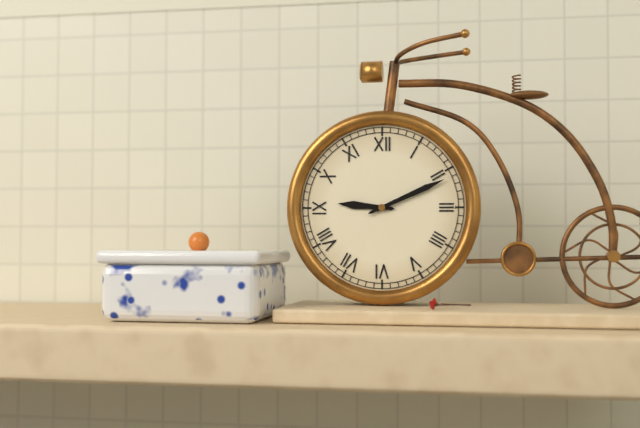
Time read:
9,11
